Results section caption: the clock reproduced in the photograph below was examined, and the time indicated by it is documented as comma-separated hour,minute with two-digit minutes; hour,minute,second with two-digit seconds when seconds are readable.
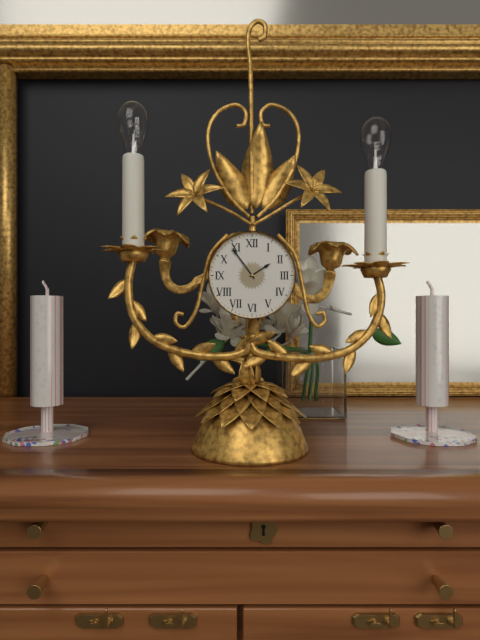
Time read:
1,54
